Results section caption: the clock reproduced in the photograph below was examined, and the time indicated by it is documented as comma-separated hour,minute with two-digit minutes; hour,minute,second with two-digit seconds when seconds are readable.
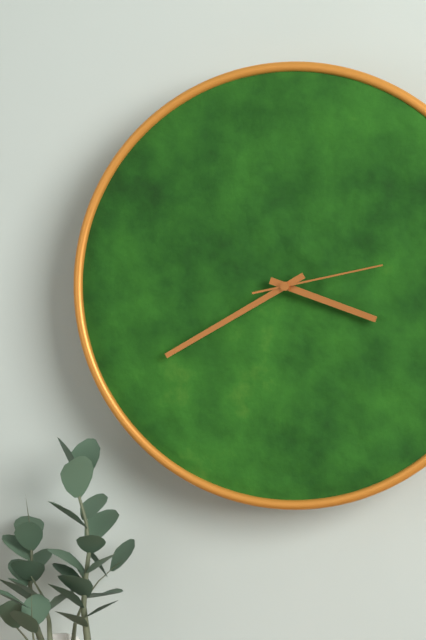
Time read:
3,40,13
